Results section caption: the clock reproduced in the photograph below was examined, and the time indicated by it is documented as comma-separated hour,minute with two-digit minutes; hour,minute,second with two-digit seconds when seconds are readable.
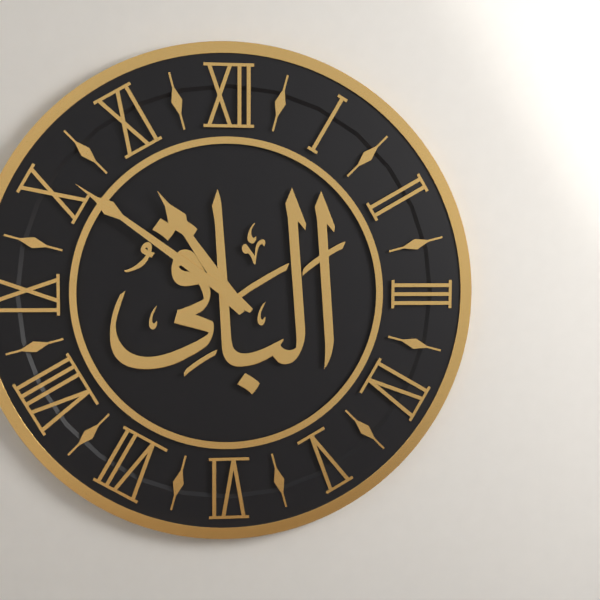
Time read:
10,51
